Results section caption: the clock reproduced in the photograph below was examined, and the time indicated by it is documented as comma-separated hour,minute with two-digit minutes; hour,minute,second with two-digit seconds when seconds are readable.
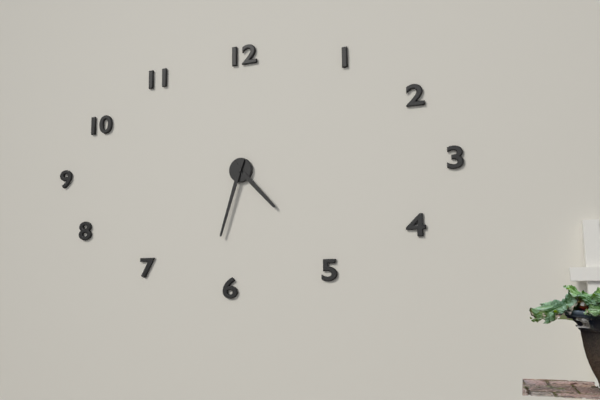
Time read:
4,33
